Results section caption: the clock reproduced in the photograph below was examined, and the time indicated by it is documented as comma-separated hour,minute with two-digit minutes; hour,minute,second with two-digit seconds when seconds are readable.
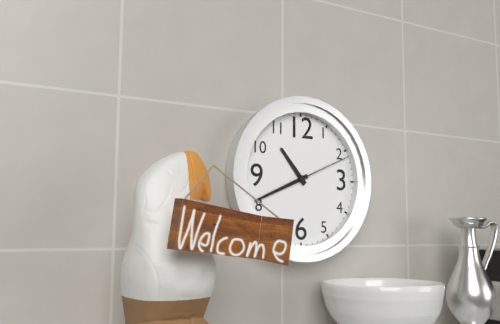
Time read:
10,41,11
